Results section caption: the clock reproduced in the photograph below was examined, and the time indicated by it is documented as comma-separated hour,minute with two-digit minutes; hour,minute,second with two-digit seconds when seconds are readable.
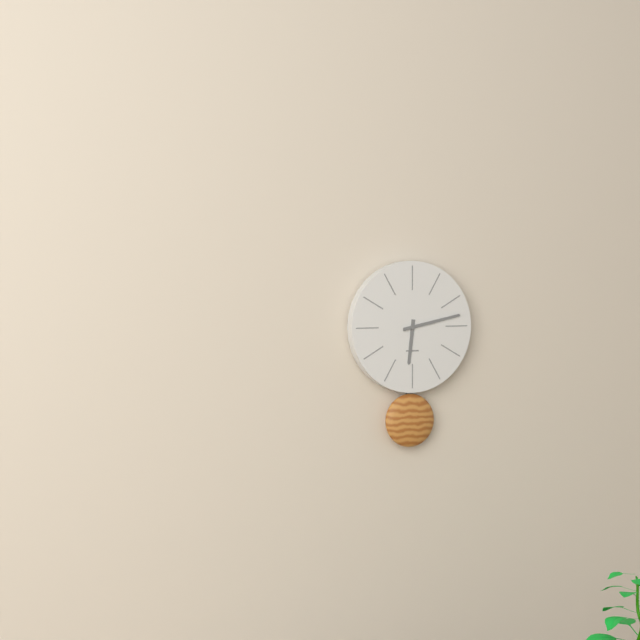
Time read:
6,13
